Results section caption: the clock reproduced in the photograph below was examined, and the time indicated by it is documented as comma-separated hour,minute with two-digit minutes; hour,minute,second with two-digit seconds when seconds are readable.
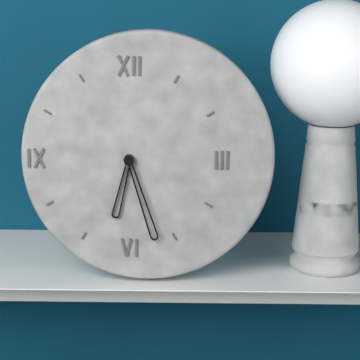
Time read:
6,27
